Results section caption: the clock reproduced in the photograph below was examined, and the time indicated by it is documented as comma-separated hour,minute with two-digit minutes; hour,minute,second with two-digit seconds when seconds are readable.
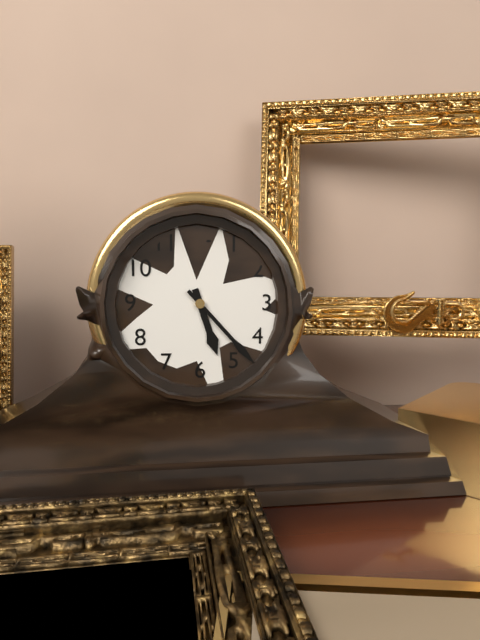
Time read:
5,23
